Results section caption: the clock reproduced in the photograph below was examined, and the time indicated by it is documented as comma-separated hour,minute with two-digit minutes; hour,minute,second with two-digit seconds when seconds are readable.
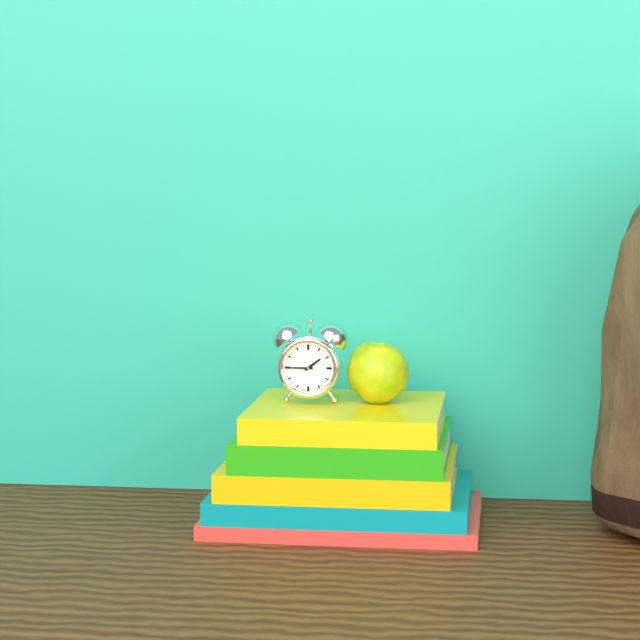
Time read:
1,45
